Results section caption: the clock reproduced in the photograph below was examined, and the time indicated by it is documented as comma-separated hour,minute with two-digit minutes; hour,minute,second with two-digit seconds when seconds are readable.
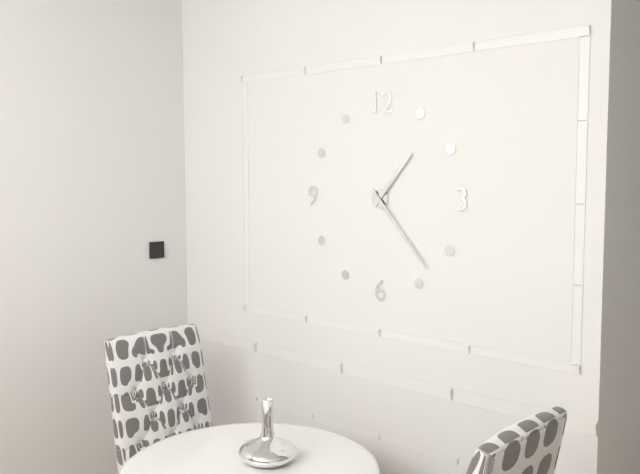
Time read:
1,23
